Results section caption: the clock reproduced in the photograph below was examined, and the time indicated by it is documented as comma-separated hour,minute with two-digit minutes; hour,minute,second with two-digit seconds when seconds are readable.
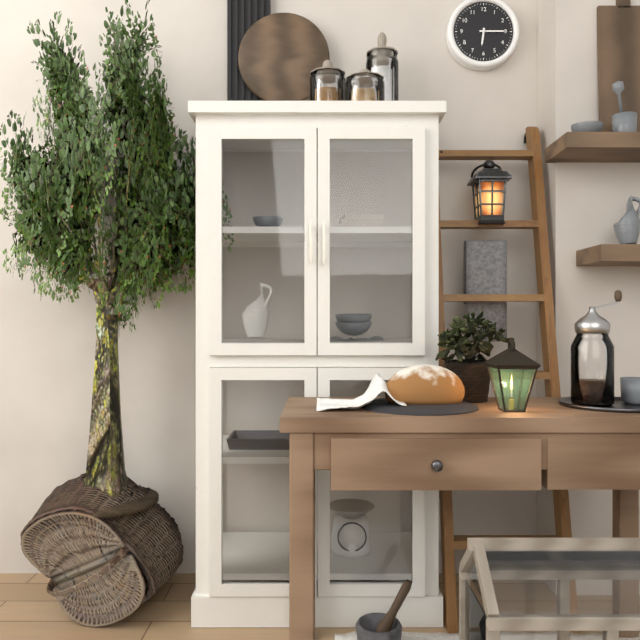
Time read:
6,15
